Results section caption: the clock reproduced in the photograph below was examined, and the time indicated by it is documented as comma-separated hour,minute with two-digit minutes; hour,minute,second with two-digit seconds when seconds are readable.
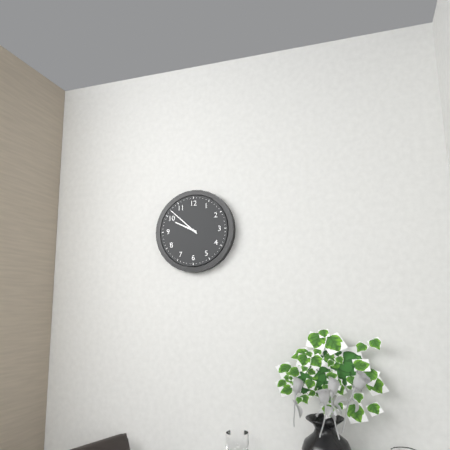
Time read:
9,52
